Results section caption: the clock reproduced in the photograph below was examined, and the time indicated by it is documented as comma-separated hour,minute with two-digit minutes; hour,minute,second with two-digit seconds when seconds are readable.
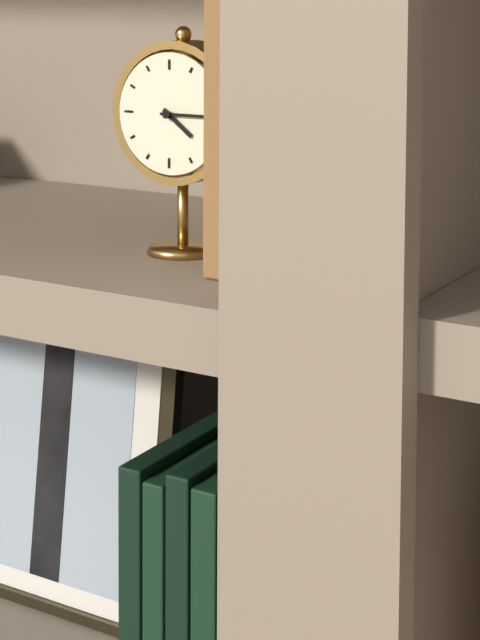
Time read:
4,15
